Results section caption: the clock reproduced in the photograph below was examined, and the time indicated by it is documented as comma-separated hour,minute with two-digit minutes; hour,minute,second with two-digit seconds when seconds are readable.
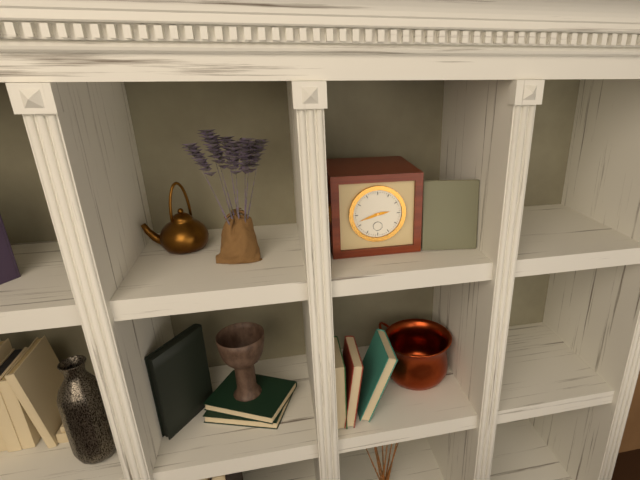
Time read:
2,42
